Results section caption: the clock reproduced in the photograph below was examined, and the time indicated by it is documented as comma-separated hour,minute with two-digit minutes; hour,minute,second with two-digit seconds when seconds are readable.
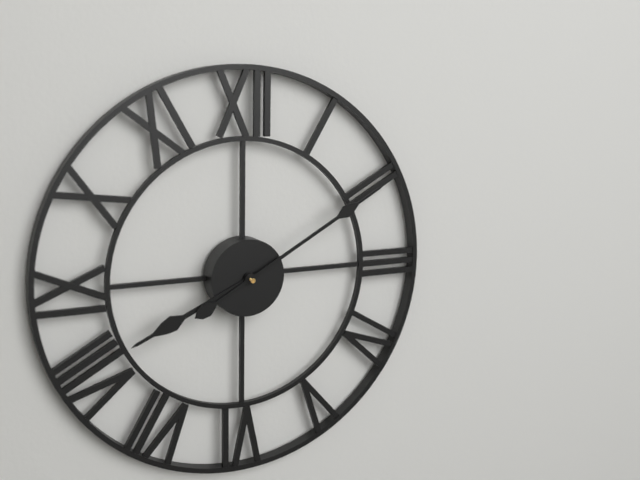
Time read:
8,10
